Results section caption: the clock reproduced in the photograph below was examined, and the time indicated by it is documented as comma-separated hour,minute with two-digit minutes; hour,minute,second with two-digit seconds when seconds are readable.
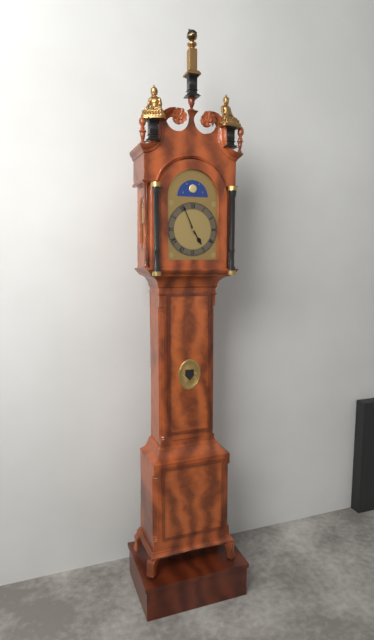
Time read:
4,56
